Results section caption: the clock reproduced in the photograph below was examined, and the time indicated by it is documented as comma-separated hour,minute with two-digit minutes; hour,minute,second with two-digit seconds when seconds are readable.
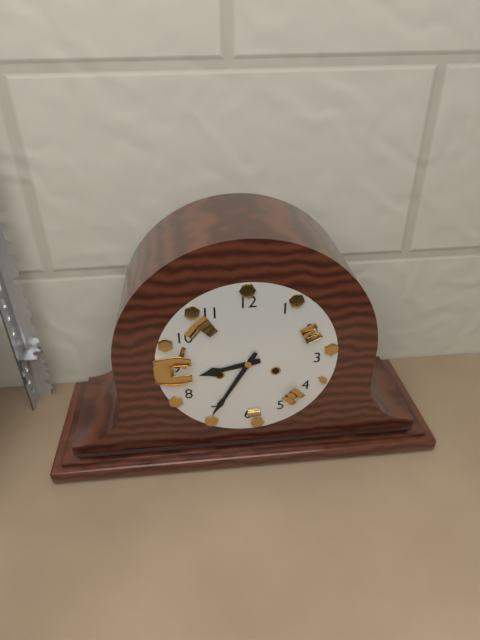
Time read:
8,35
